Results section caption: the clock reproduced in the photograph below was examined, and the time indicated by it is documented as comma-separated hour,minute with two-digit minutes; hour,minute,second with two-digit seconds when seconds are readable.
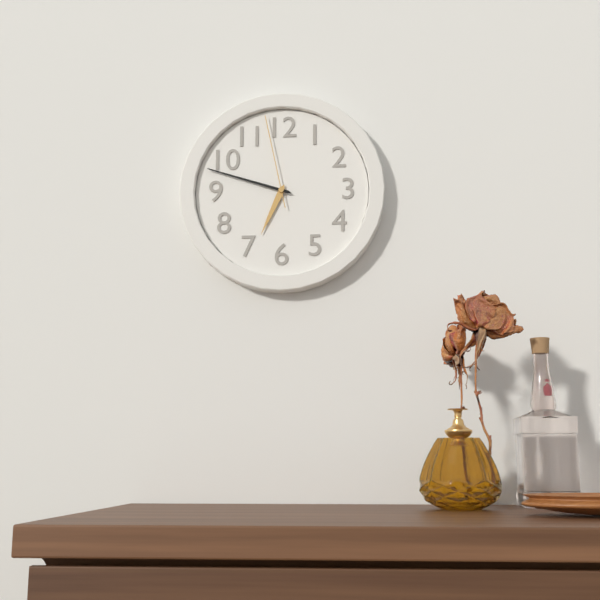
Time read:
6,48,58
